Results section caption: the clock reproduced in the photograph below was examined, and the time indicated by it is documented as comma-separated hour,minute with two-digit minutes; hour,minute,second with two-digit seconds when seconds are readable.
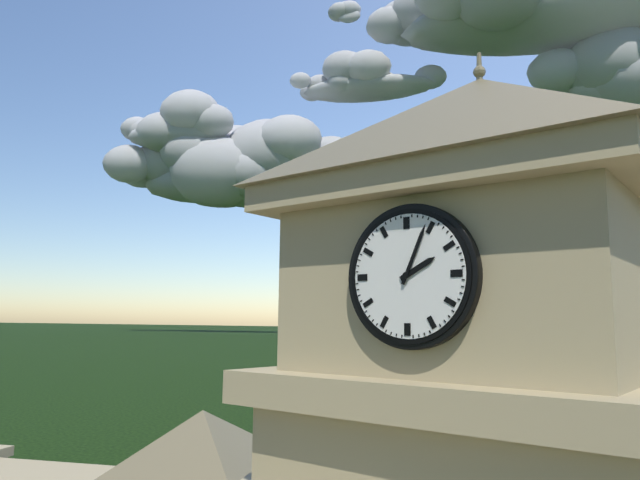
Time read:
2,04
